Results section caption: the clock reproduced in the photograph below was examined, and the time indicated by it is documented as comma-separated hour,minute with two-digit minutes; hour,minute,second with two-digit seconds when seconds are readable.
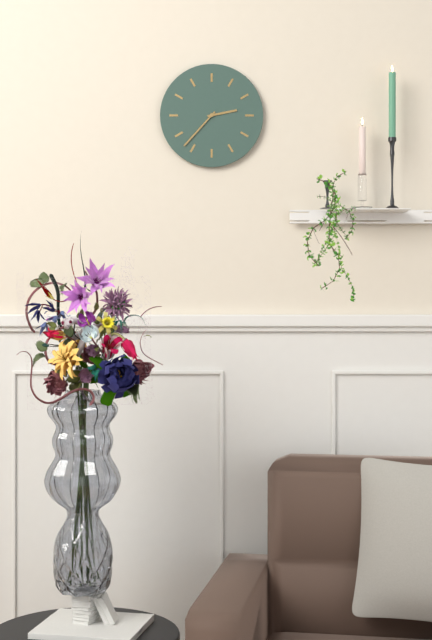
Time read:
2,37
